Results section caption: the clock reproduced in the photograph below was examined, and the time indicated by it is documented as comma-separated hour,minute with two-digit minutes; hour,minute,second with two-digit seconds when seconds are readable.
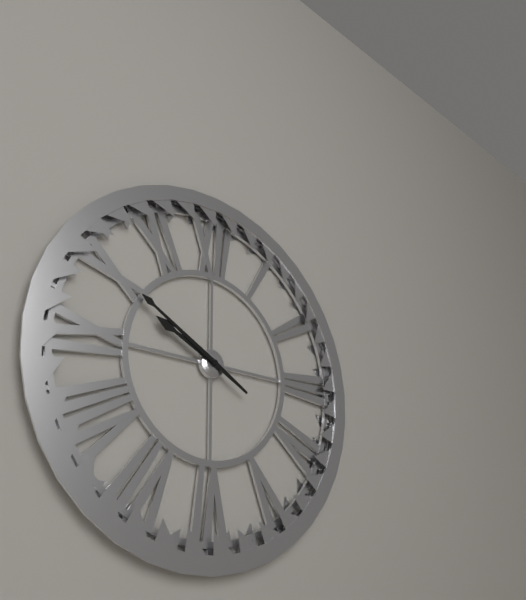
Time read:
9,50
